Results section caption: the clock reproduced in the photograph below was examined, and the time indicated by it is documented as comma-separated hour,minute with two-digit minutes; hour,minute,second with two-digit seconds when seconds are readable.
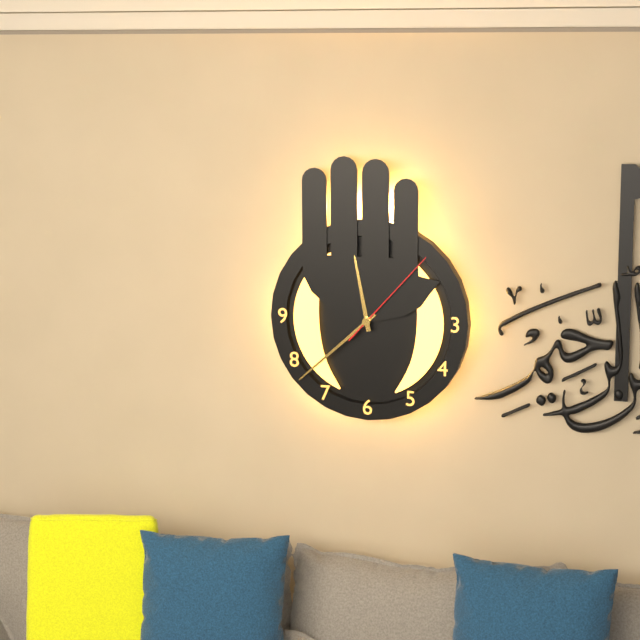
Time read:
11,38,07
